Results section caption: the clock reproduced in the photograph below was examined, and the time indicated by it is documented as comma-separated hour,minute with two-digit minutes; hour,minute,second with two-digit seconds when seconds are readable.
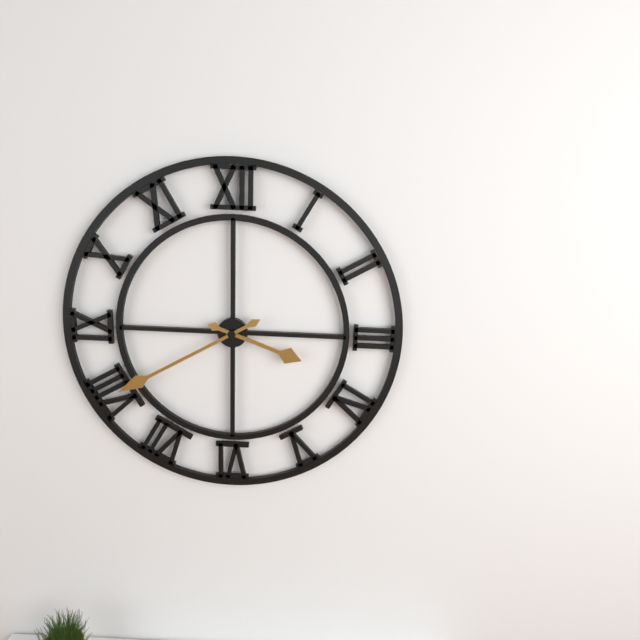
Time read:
3,40
